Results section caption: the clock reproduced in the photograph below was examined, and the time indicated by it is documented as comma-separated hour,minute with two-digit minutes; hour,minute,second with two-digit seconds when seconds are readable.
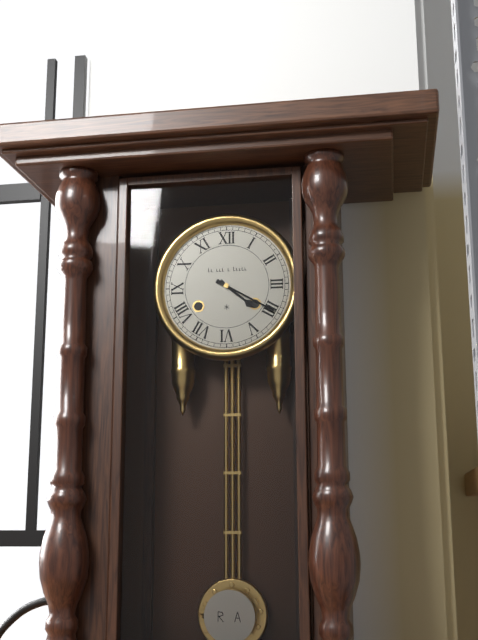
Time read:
4,20
